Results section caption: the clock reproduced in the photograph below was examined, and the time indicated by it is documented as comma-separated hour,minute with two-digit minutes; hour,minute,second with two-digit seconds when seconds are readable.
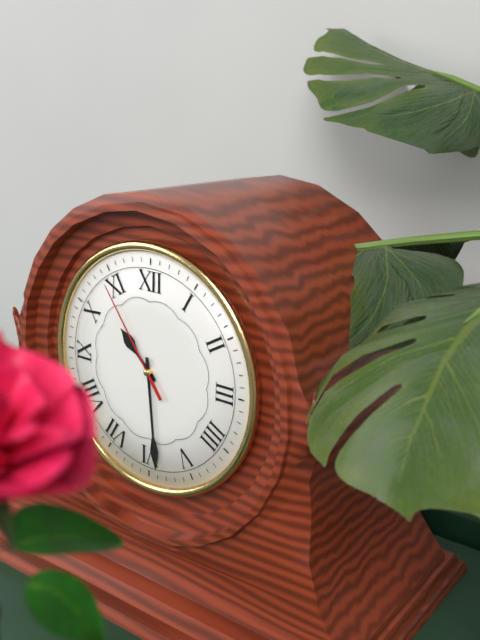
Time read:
10,29,54
